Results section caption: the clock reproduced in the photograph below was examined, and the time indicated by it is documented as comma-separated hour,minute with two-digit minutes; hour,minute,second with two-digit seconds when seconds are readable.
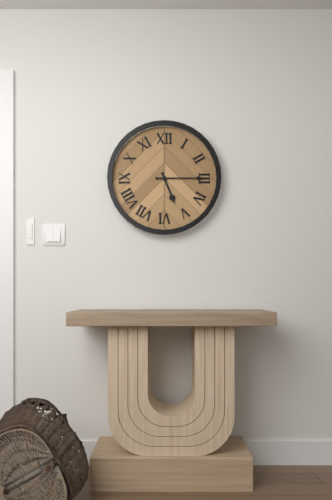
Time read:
5,15
